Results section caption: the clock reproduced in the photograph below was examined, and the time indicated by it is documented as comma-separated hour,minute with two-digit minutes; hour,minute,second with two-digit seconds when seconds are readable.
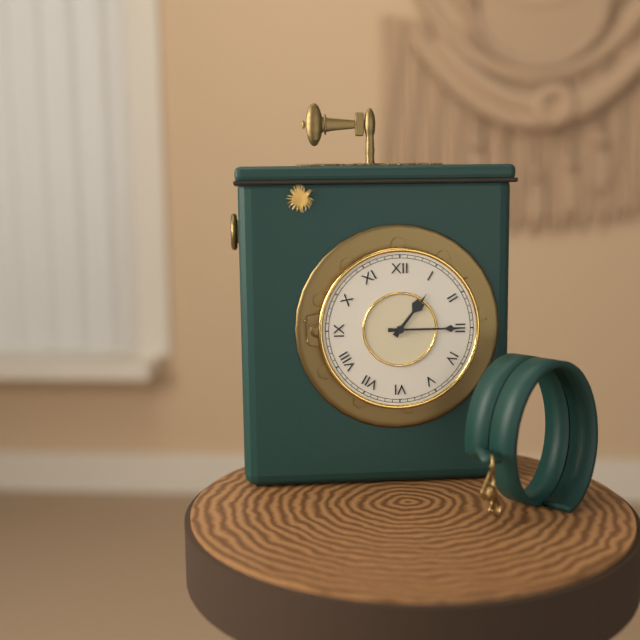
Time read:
1,15
